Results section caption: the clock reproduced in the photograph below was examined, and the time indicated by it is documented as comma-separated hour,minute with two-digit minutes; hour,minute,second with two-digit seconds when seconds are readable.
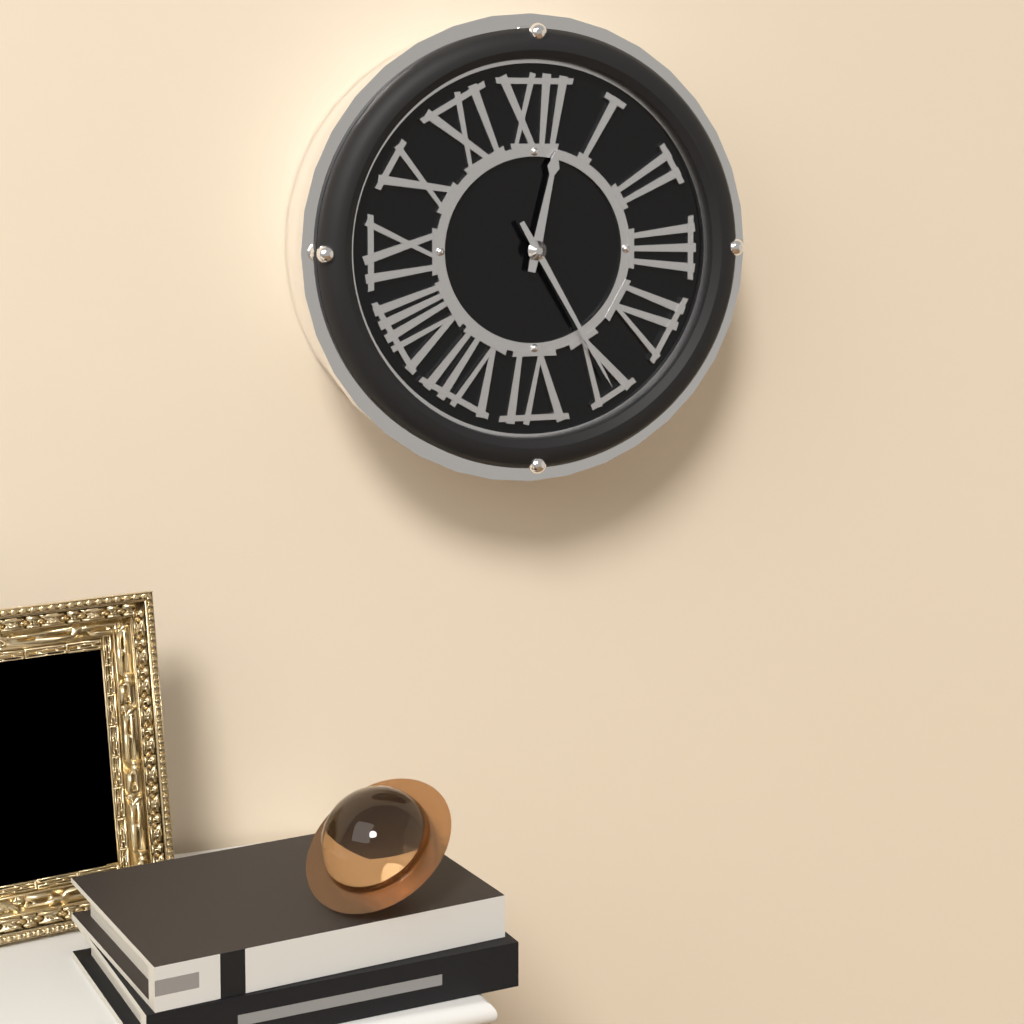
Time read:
12,25
